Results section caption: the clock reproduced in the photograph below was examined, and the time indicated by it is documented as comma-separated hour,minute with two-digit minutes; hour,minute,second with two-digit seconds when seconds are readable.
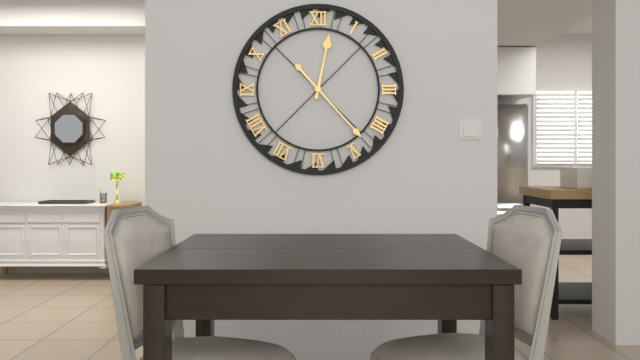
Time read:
12,23
